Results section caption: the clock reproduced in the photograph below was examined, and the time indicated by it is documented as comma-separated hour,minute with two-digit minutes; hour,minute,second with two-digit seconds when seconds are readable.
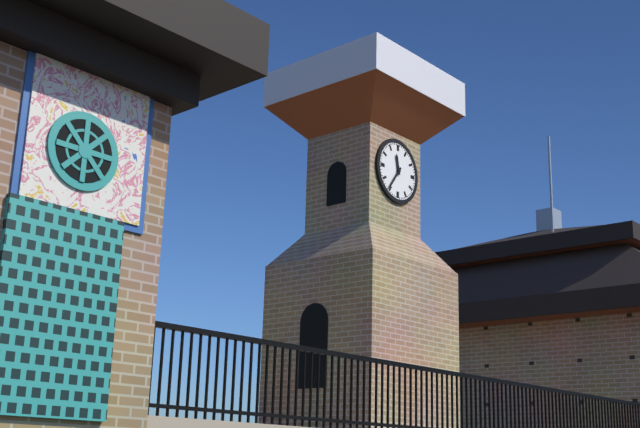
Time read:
11,36
